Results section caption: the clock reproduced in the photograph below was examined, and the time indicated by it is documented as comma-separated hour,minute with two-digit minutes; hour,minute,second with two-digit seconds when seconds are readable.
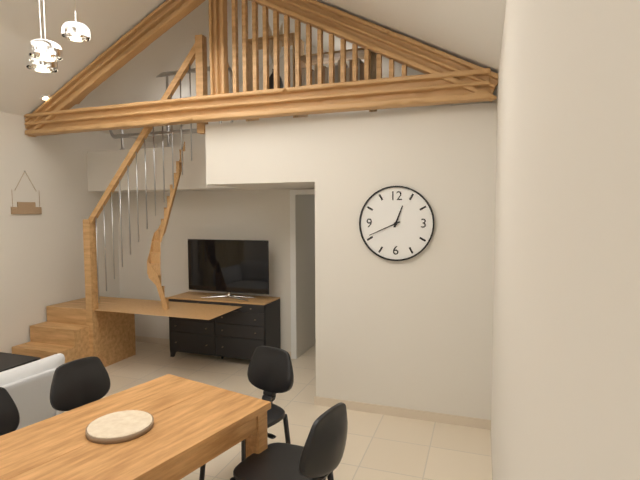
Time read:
12,41
